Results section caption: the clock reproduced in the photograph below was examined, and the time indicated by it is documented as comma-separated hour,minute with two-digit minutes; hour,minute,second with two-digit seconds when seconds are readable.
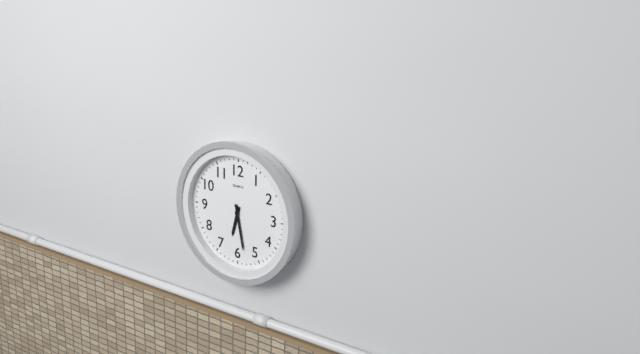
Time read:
6,28
